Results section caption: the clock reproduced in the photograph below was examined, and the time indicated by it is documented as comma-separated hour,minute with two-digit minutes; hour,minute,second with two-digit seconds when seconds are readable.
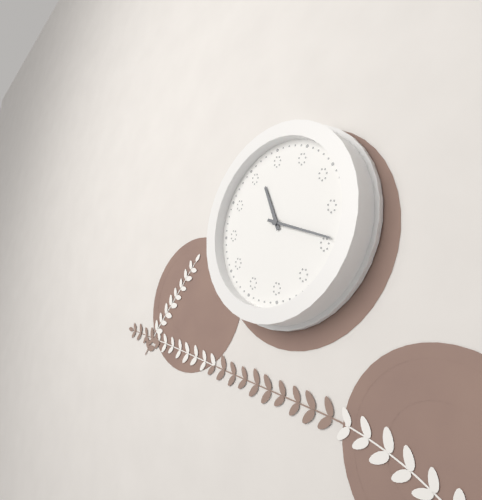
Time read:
11,19
